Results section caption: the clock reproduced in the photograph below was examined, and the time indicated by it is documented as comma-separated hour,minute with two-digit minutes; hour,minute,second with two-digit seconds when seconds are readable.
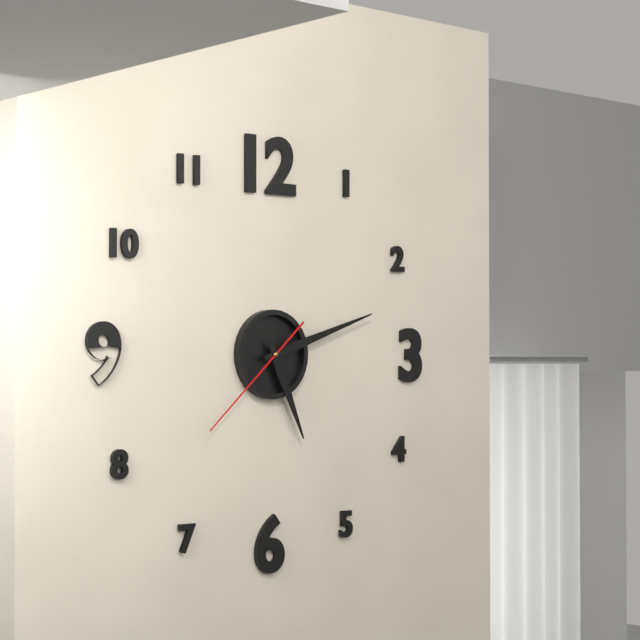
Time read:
5,12,38
